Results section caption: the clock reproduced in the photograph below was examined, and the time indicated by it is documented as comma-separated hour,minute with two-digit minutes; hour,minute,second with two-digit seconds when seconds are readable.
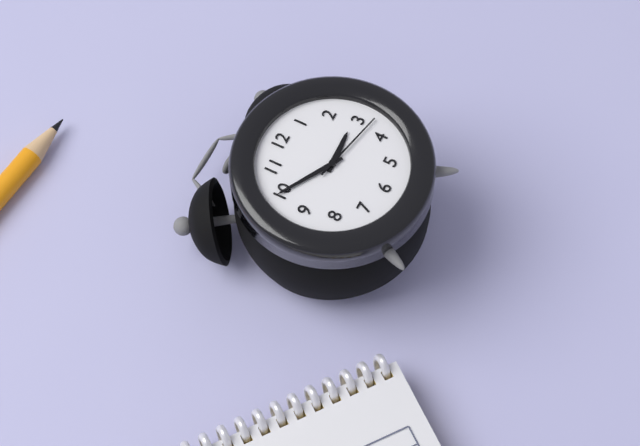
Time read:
2,50,17
